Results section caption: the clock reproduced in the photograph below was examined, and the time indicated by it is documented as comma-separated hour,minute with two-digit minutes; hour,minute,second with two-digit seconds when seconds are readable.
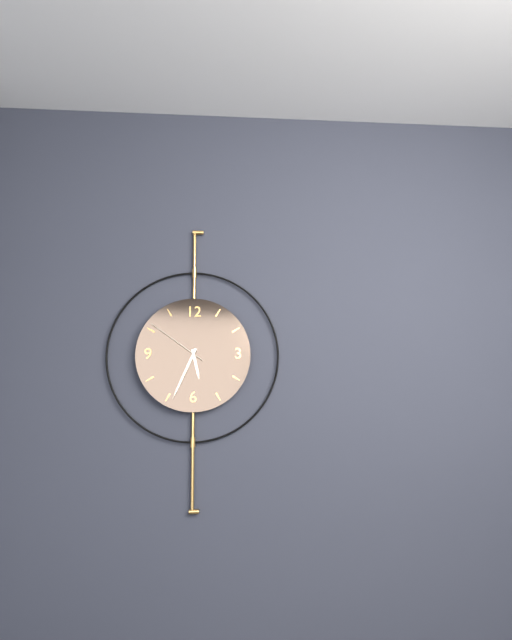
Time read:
5,34,51
